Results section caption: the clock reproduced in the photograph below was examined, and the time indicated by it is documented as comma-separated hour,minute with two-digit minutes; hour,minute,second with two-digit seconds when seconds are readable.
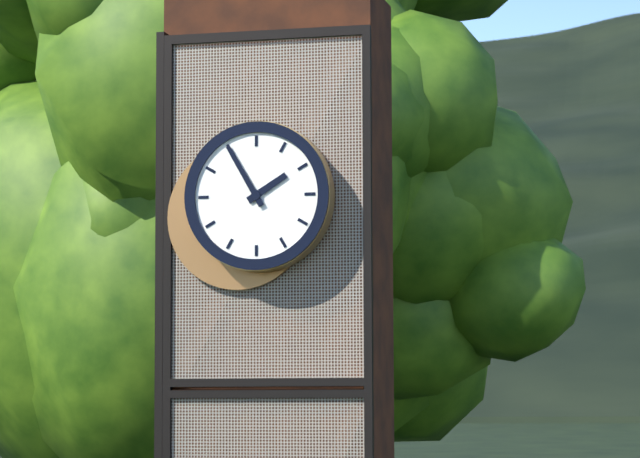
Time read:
1,55
